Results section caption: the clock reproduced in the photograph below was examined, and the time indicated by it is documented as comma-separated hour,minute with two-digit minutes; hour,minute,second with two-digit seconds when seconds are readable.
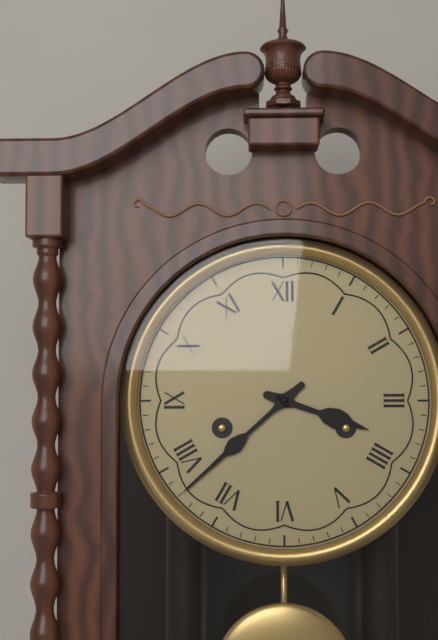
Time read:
3,38
